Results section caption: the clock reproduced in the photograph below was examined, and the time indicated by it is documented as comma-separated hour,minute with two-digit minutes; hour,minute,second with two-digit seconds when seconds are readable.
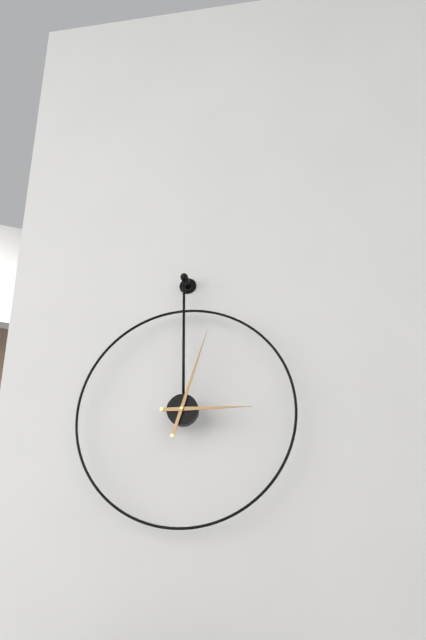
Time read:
3,03
